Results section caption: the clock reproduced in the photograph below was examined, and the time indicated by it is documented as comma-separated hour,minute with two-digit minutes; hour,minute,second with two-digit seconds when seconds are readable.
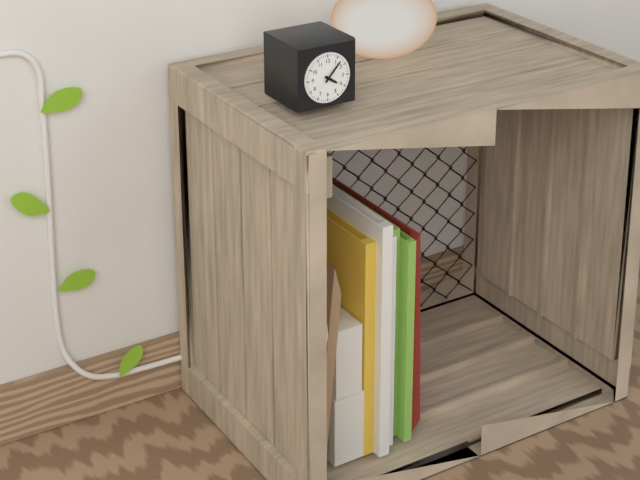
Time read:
4,07
